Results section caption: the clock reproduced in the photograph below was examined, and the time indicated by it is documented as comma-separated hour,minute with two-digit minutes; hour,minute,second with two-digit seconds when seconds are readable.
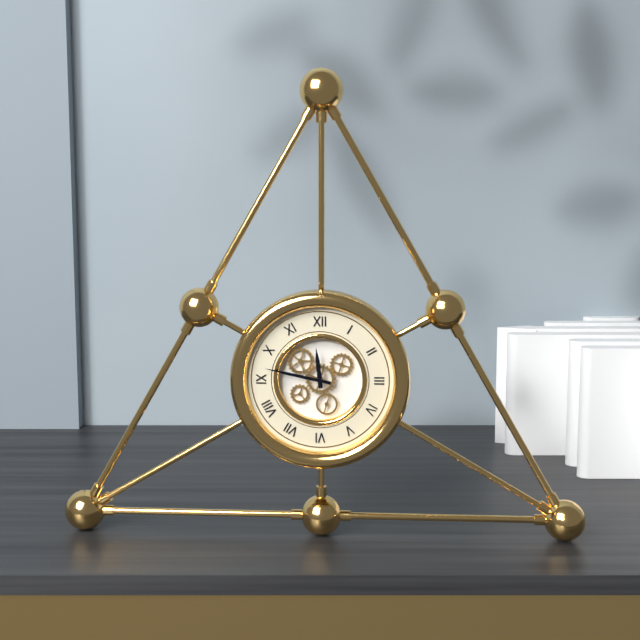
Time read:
11,47
